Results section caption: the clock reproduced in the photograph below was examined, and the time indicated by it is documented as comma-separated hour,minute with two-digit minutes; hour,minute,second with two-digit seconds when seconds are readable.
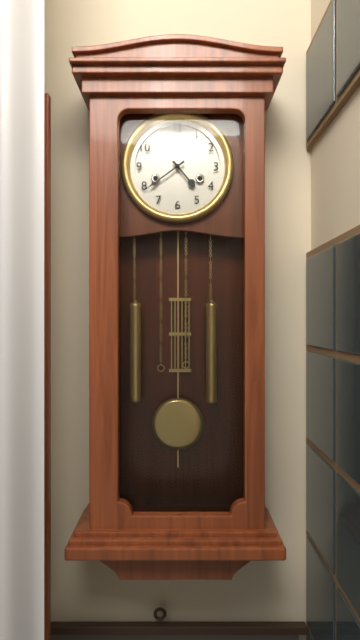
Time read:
4,39
